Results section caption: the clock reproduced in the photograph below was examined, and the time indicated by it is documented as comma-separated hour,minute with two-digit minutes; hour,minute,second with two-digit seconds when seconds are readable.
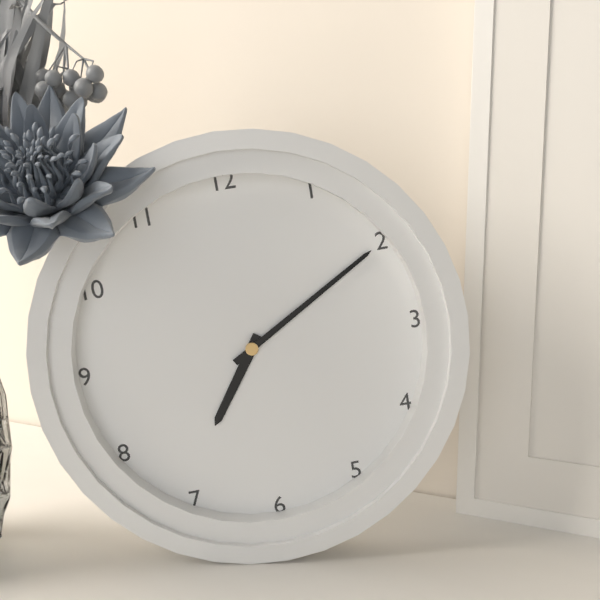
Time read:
7,10
